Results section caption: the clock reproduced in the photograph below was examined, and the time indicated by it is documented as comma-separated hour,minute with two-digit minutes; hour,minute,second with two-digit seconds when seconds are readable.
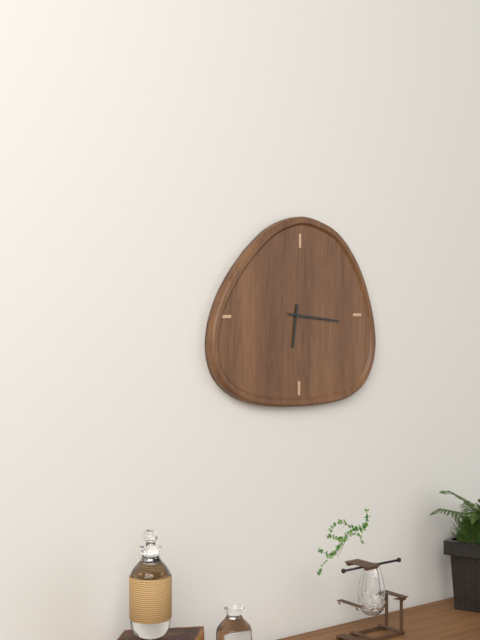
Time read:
6,16
